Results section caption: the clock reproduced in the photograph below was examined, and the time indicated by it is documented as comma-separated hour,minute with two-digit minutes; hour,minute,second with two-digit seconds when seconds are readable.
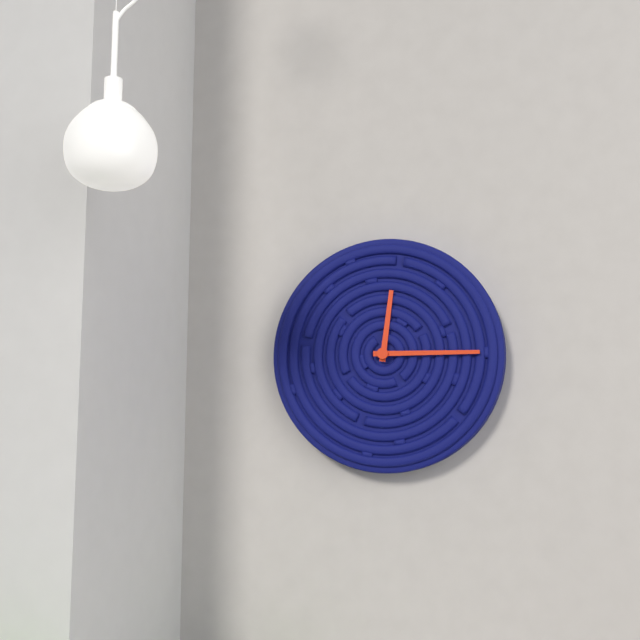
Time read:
12,15
